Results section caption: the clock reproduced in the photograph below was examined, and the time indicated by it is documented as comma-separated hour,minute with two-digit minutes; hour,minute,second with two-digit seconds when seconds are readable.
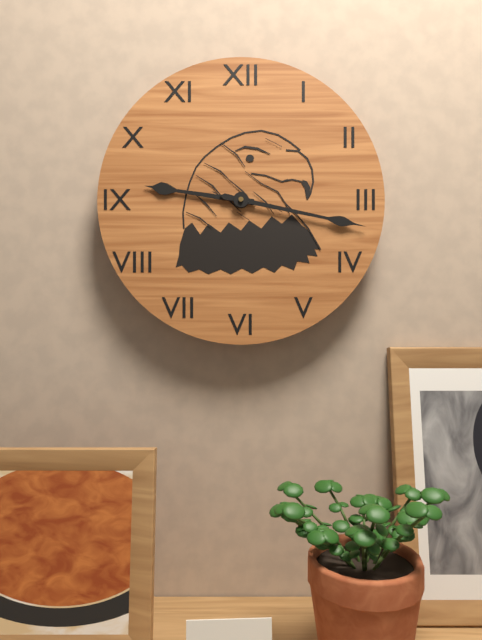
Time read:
9,17
